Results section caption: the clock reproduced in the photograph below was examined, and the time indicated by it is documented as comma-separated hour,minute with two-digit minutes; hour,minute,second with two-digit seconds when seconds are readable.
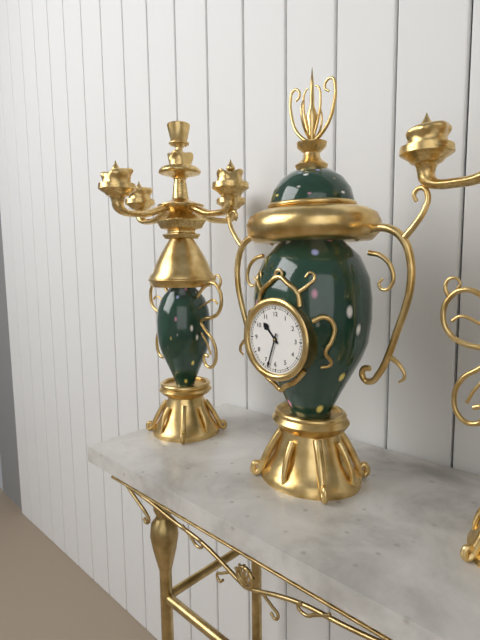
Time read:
10,33
